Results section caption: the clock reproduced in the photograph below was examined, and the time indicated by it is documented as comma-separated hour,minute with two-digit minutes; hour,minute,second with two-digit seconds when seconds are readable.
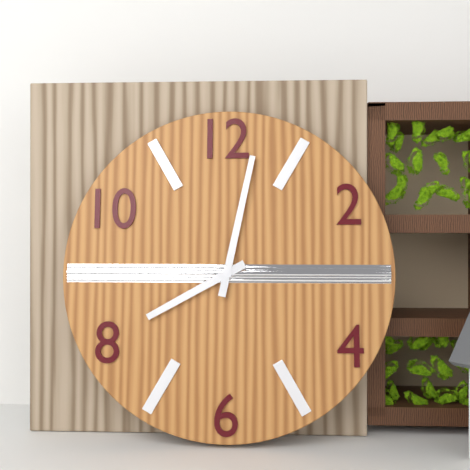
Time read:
8,02
